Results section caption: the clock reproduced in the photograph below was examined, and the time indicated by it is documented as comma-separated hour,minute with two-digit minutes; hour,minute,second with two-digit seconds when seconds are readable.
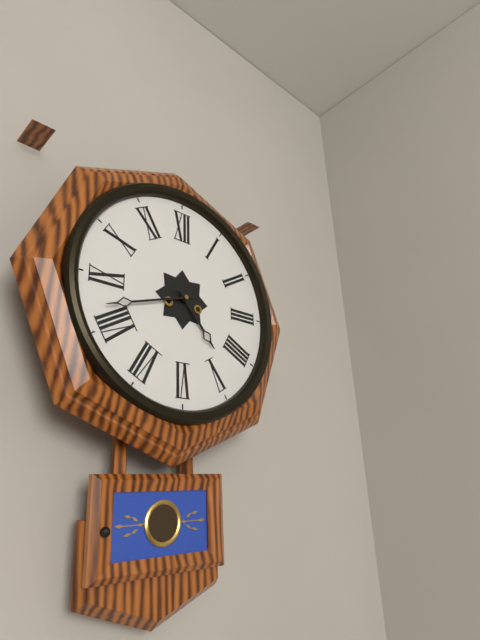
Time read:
4,42
